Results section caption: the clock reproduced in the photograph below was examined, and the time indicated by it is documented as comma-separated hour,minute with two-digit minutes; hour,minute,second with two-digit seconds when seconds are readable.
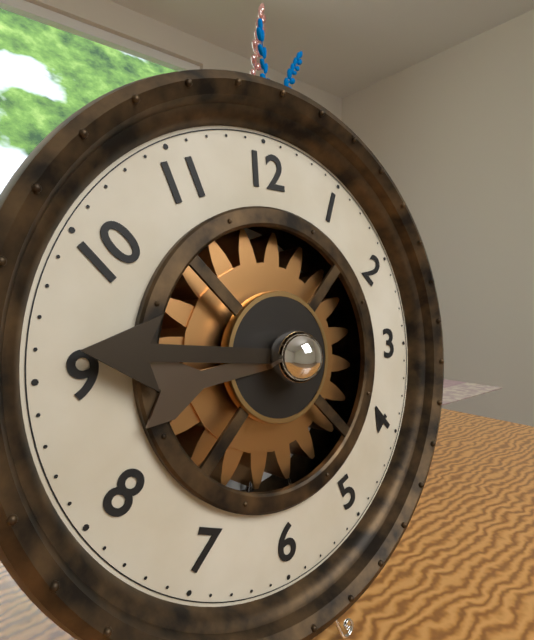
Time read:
8,46
